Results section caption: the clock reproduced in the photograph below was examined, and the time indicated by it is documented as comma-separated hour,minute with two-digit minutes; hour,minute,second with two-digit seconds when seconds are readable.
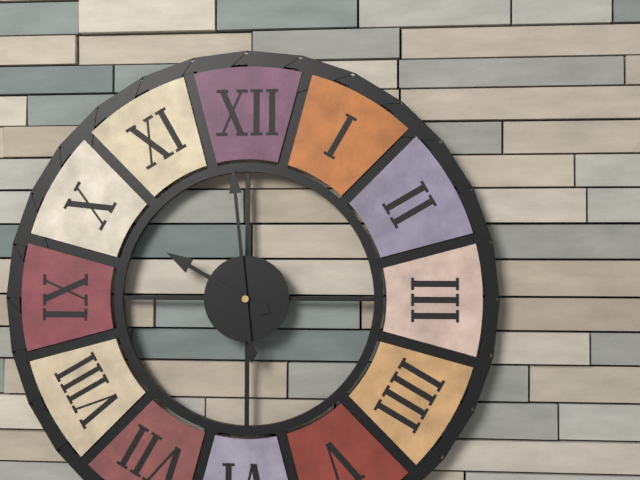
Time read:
9,59
